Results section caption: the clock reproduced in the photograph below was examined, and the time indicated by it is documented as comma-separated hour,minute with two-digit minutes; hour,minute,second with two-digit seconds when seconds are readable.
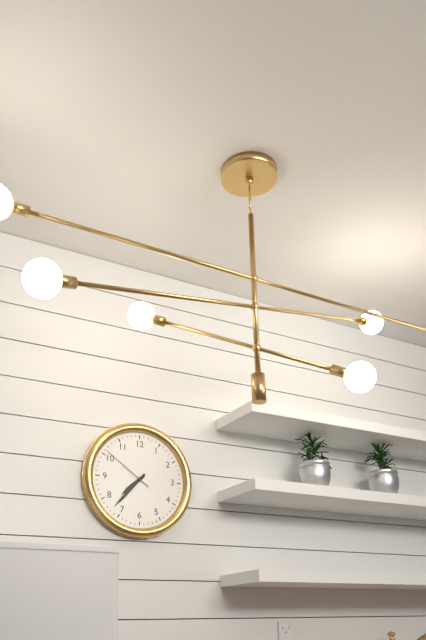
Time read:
7,37,51
